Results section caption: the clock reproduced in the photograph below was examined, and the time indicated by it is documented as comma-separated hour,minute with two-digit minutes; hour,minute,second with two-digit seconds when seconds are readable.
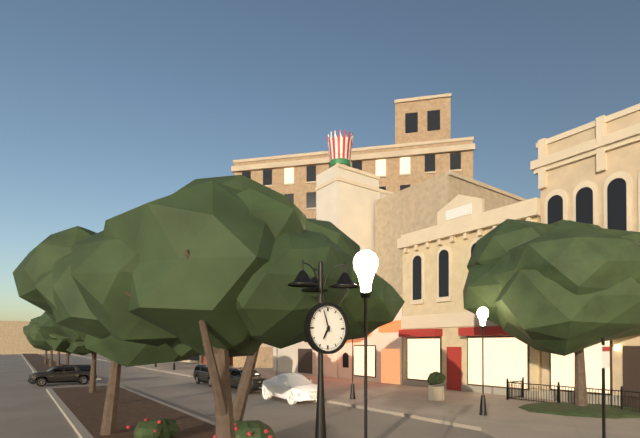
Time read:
6,57
